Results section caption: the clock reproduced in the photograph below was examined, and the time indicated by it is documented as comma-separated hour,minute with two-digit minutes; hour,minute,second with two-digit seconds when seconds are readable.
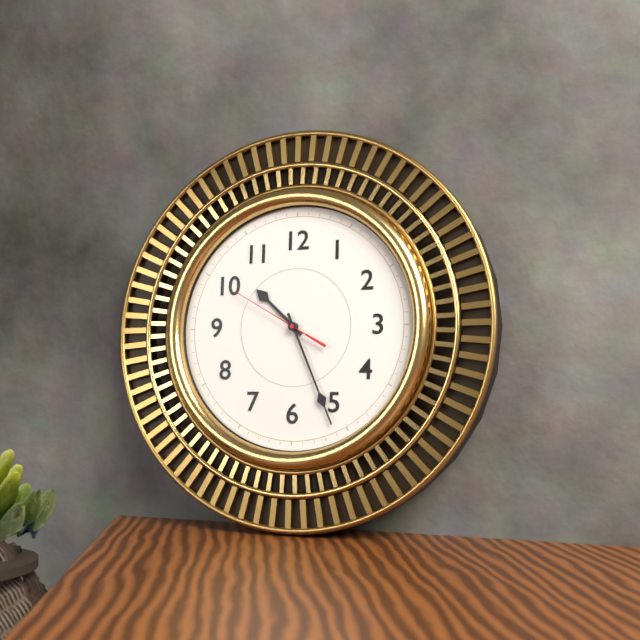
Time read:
10,26,50
